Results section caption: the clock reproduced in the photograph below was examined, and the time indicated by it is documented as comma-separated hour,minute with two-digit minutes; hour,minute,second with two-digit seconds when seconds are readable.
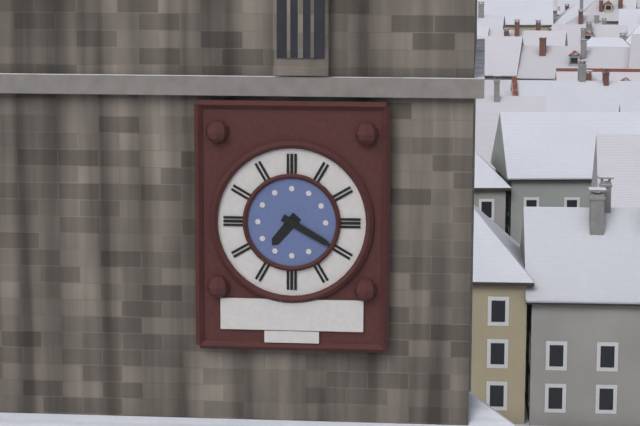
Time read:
7,20
